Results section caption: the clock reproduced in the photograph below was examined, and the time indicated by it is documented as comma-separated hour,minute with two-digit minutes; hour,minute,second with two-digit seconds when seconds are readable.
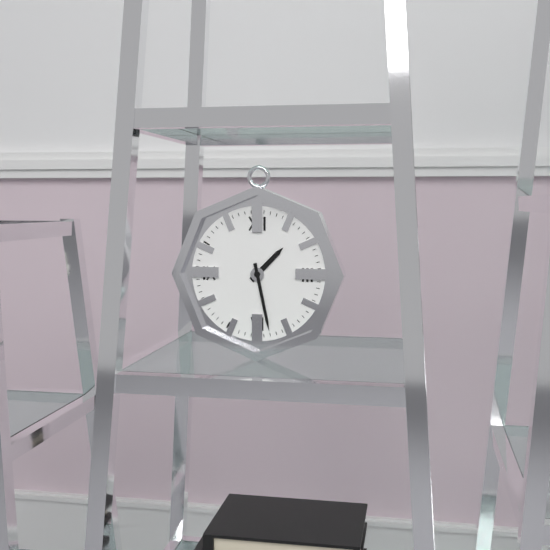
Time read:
1,28
